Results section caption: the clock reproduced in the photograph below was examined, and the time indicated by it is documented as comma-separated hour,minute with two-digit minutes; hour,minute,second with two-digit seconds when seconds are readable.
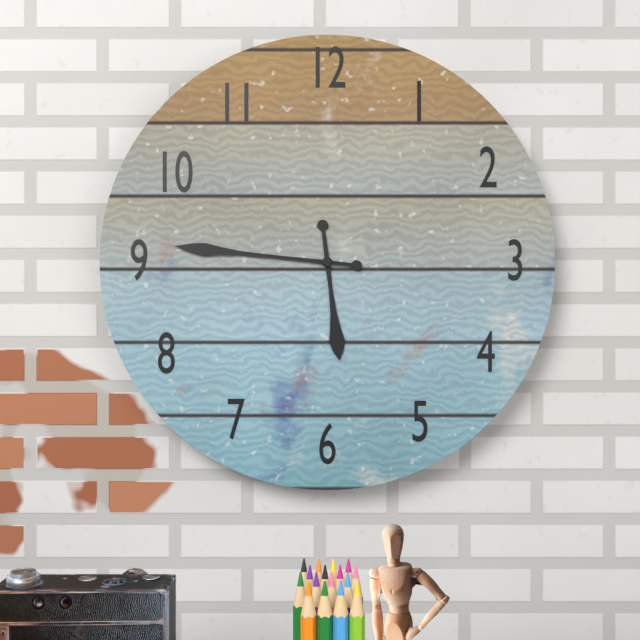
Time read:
5,46
